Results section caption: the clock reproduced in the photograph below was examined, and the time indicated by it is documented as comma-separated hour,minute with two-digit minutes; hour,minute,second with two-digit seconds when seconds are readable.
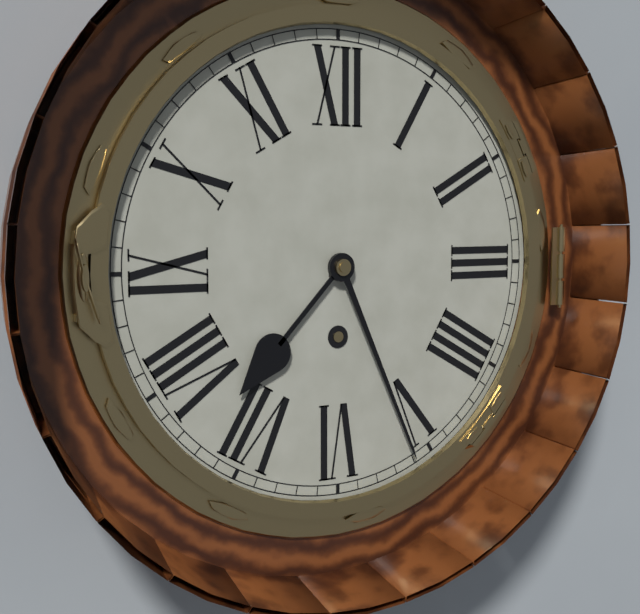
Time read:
7,26
